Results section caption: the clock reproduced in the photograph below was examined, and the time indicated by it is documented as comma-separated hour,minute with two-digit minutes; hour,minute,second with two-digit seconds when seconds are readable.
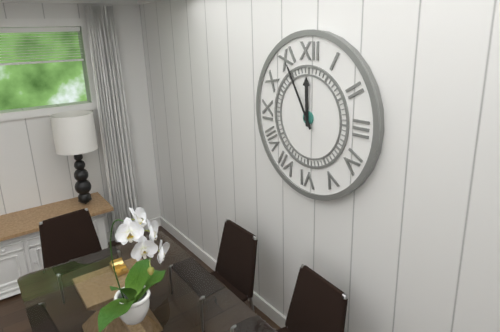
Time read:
11,55
